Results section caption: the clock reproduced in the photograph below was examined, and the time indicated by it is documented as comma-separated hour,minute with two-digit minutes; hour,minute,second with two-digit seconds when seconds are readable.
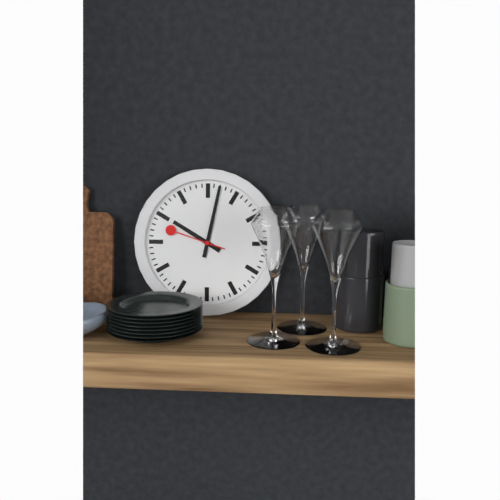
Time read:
10,02,48
